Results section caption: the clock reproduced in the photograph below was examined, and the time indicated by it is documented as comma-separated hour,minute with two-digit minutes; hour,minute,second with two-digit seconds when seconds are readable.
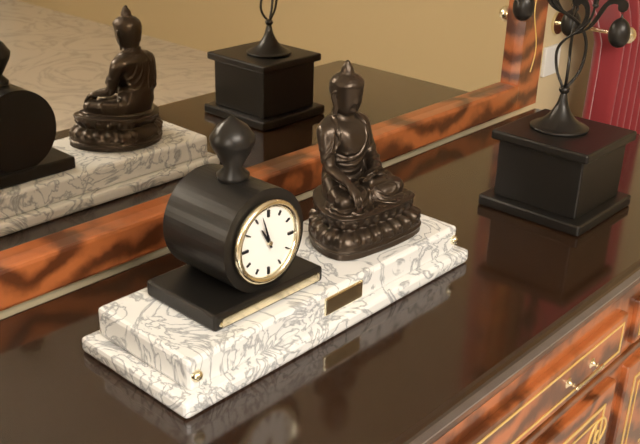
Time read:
10,57
